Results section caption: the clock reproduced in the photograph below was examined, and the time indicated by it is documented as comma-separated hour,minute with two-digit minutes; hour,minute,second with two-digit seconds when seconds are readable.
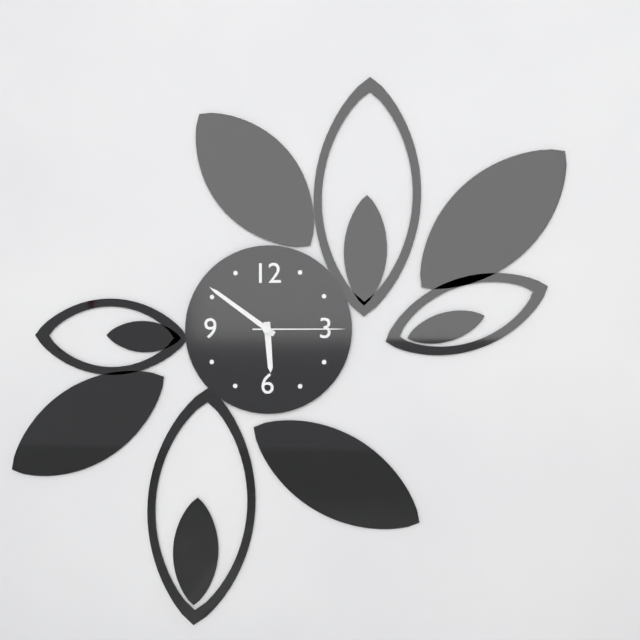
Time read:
5,51,15
